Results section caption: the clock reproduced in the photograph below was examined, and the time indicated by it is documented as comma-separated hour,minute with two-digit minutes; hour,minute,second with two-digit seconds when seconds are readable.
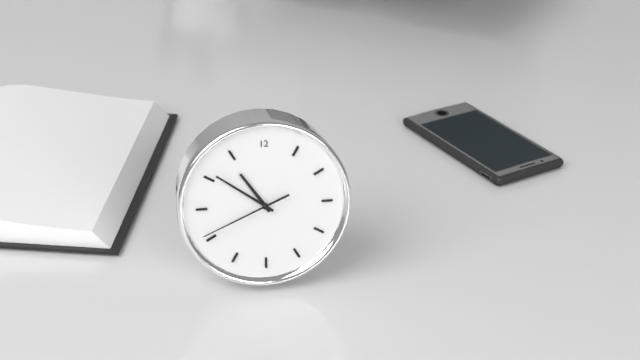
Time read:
10,51,41
